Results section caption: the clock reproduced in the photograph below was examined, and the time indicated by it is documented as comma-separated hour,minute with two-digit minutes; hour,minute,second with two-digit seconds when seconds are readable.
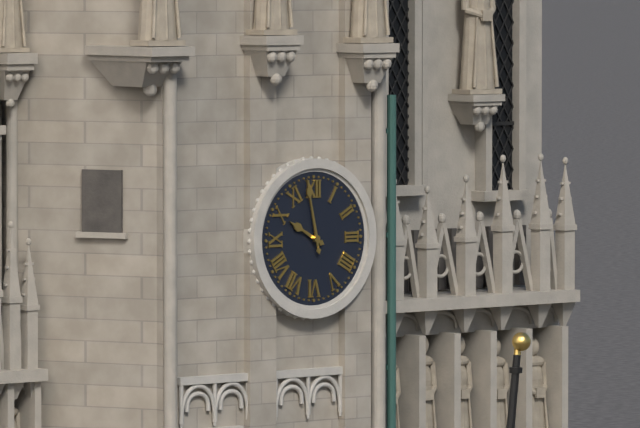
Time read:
9,58
